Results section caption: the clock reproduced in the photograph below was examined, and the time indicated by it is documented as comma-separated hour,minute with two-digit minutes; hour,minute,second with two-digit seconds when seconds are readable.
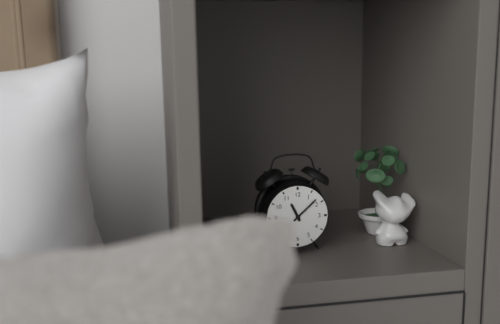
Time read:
11,08
